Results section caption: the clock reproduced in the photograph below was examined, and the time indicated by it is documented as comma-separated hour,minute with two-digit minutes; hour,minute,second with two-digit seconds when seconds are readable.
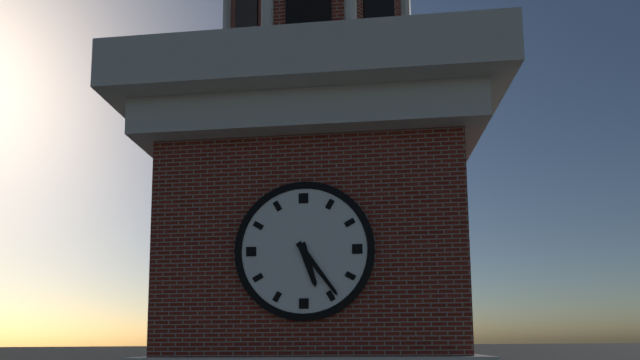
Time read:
5,24
